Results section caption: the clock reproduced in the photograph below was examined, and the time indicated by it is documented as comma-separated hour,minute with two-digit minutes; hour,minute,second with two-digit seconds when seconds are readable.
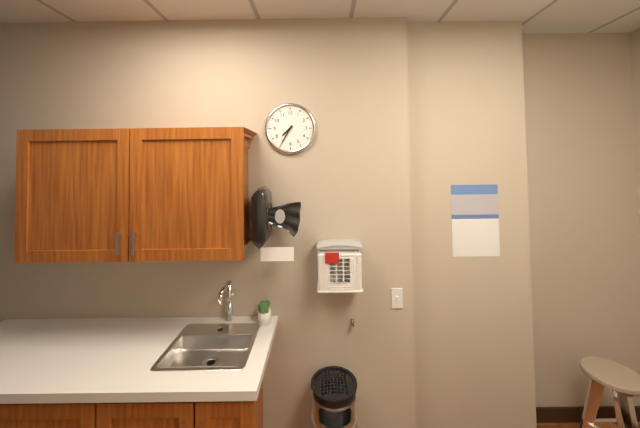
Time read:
7,35
